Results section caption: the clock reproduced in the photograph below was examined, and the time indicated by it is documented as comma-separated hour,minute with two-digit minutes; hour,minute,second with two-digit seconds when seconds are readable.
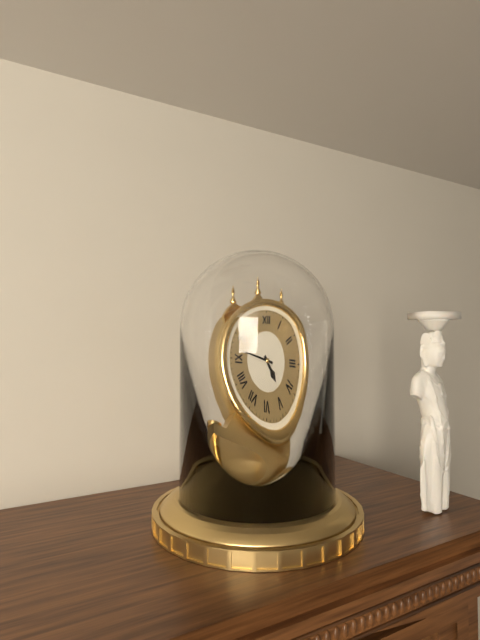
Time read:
4,47
